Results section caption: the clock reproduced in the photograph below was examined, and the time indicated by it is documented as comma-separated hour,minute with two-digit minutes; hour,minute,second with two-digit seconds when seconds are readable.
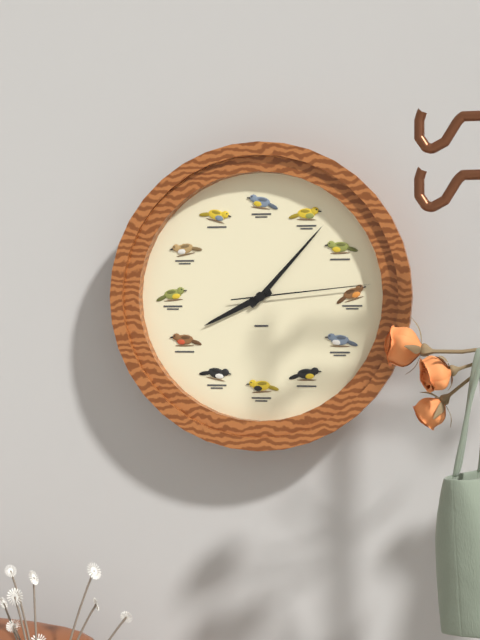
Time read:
8,07,14
